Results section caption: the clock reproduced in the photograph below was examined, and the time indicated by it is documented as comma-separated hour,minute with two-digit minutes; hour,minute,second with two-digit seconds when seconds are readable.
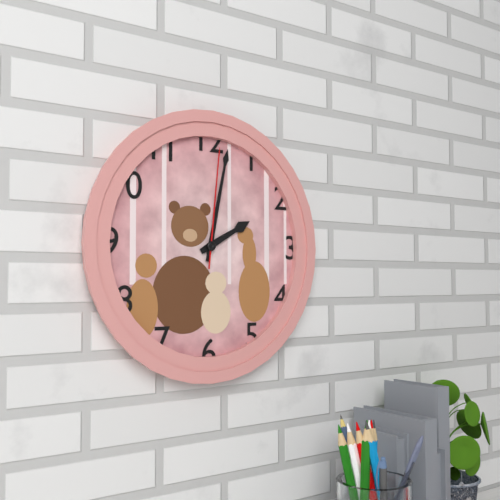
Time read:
2,02,01
